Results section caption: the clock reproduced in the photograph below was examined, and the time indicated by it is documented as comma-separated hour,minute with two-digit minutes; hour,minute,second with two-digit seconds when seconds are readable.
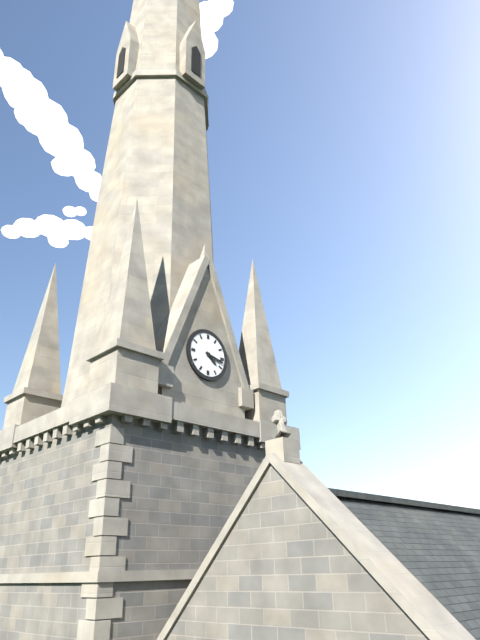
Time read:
4,17
